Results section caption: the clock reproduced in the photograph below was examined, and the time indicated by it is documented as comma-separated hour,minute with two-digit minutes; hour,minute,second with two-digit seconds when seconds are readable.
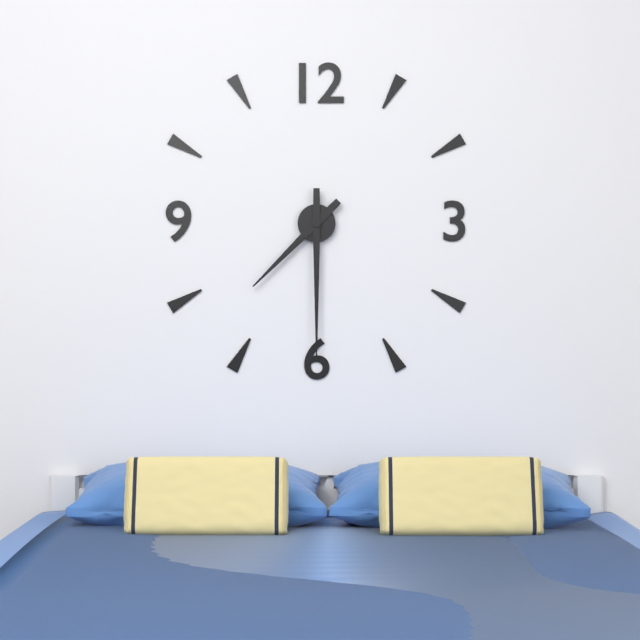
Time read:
7,30
